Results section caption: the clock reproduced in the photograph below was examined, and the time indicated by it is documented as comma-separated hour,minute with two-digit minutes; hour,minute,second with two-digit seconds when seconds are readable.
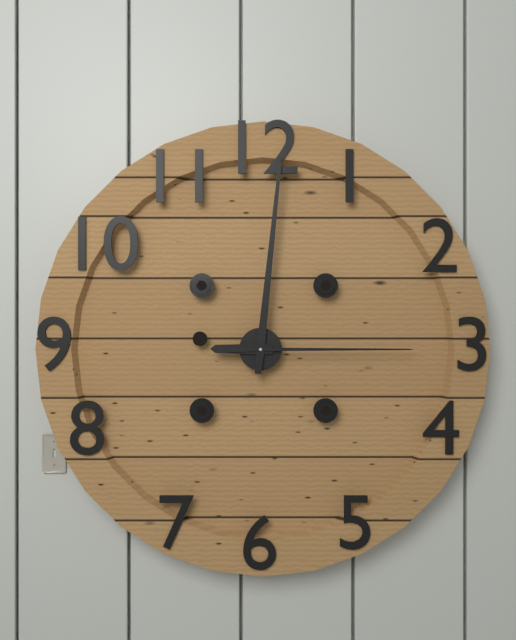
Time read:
9,01,15
